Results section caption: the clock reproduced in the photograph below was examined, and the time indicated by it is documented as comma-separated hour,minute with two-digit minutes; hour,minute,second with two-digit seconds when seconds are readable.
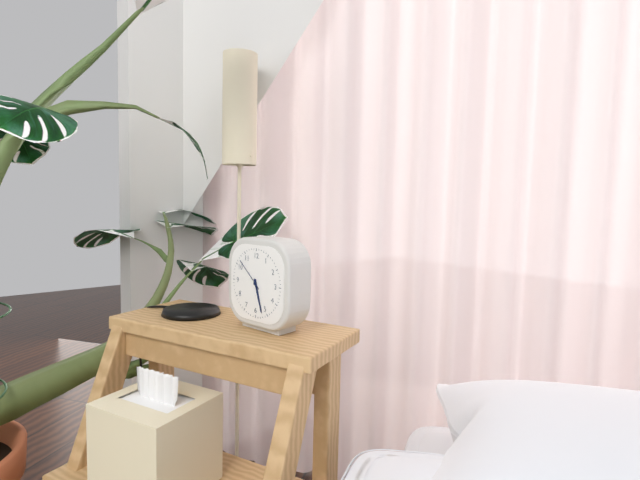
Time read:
5,27
